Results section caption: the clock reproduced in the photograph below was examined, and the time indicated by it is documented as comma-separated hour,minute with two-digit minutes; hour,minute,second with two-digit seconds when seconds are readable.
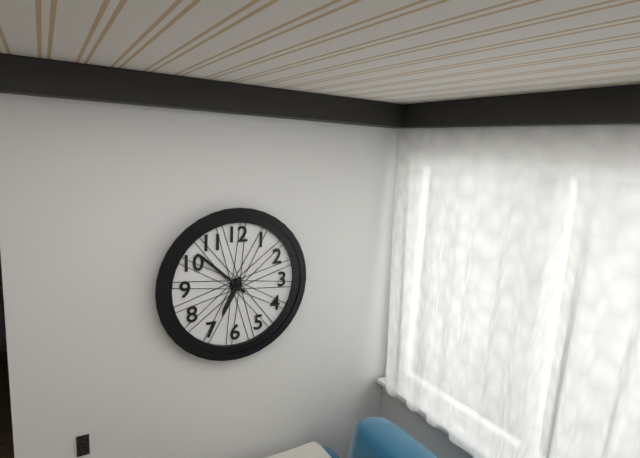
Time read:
6,52
